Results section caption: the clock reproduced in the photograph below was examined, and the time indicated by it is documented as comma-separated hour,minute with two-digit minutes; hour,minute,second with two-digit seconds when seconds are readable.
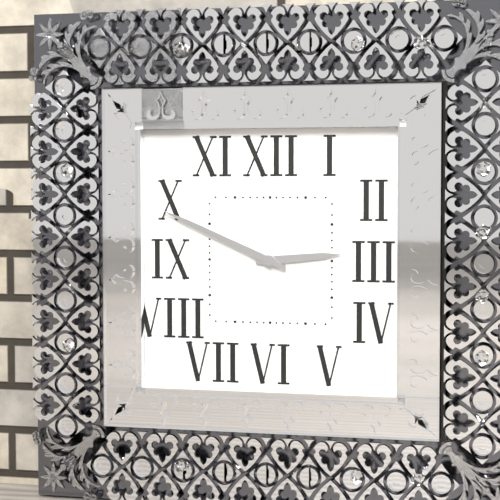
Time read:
2,49
